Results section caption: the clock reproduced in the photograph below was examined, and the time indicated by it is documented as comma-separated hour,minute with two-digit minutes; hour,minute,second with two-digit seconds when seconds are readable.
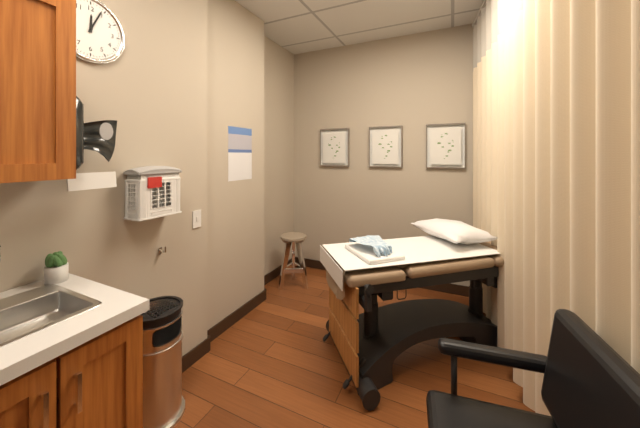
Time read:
12,04
